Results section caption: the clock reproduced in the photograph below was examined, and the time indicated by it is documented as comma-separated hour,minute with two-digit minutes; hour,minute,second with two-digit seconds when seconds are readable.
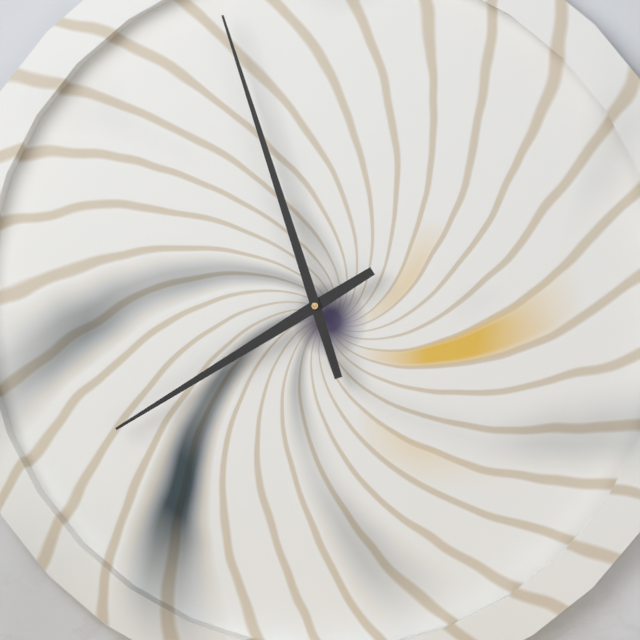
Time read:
7,57
